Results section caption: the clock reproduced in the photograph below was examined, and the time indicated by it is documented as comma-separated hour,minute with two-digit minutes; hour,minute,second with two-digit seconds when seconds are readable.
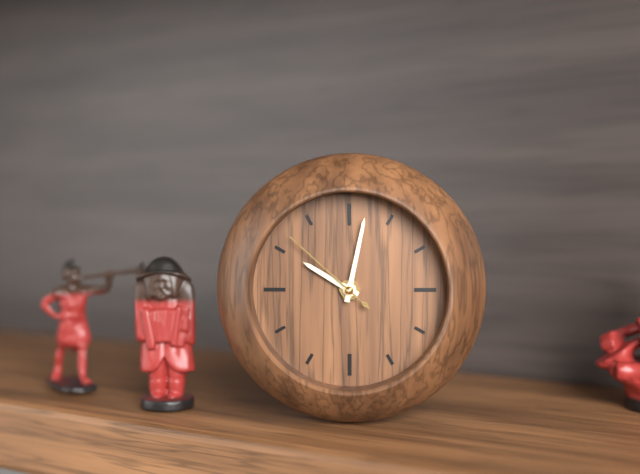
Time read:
10,02,52
